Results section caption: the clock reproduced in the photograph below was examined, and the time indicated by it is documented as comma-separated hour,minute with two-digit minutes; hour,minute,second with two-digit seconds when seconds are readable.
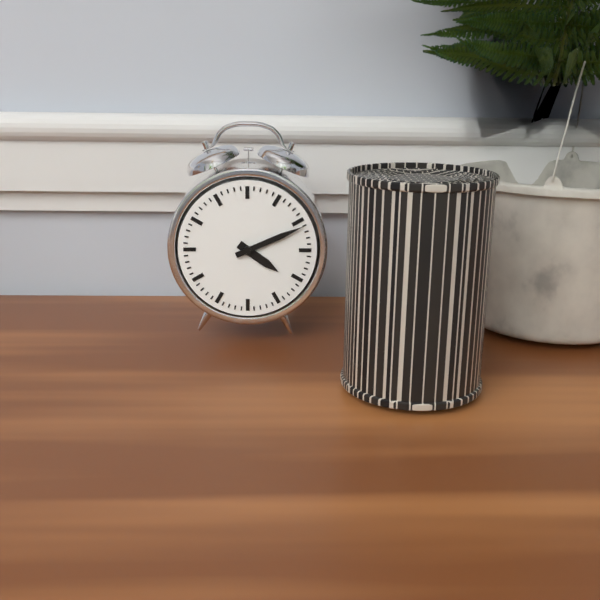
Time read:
4,11
